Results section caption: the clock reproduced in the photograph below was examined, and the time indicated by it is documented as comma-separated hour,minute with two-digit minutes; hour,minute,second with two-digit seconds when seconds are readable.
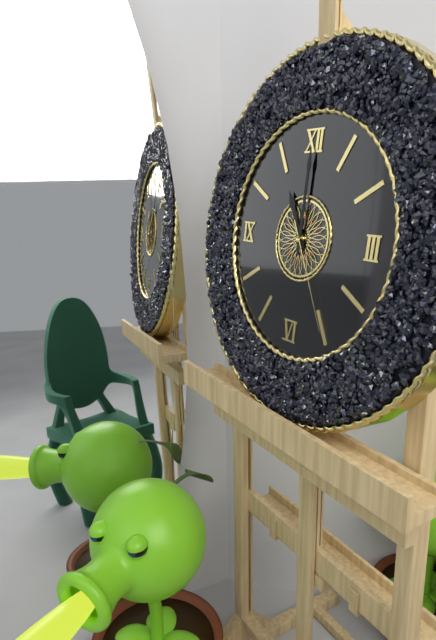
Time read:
11,00,25
